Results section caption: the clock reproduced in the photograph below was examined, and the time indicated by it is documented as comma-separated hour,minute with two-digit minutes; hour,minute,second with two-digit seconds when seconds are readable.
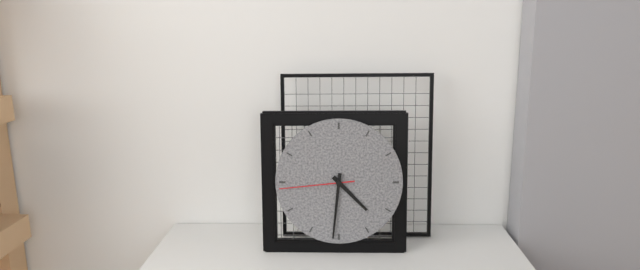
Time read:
4,31,44
